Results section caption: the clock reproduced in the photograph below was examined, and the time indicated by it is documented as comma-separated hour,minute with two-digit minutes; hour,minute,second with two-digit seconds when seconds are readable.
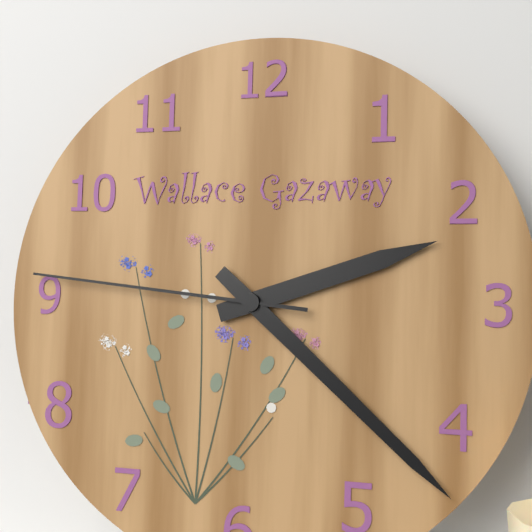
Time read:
2,22,46
